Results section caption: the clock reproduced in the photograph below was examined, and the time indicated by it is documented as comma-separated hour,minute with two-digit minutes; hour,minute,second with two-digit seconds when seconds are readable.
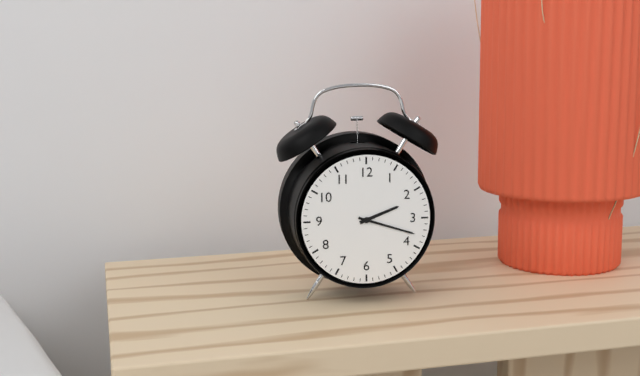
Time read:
2,18
